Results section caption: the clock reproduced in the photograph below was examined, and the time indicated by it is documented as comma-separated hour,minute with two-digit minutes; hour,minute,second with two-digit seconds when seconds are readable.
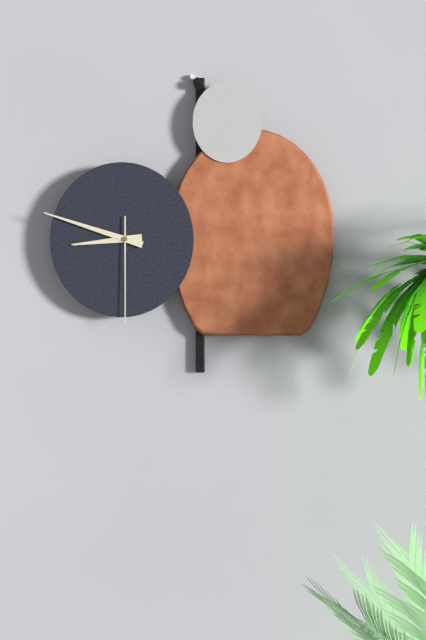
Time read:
8,48,30
